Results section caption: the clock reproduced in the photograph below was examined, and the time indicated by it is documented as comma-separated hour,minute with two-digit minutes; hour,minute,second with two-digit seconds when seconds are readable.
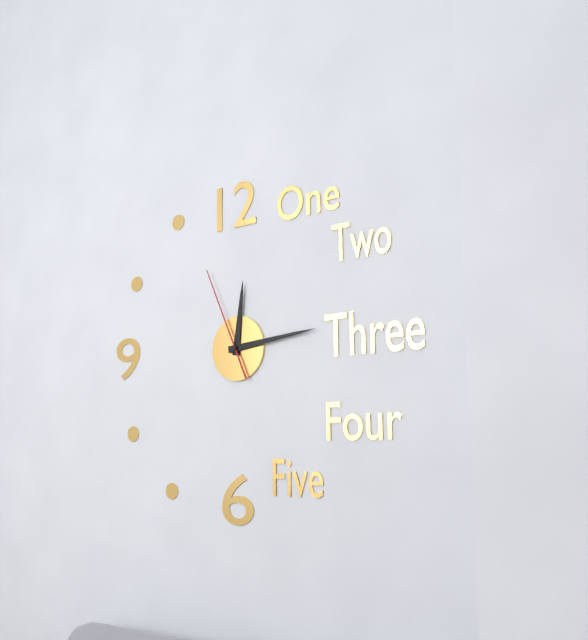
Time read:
12,14,56
